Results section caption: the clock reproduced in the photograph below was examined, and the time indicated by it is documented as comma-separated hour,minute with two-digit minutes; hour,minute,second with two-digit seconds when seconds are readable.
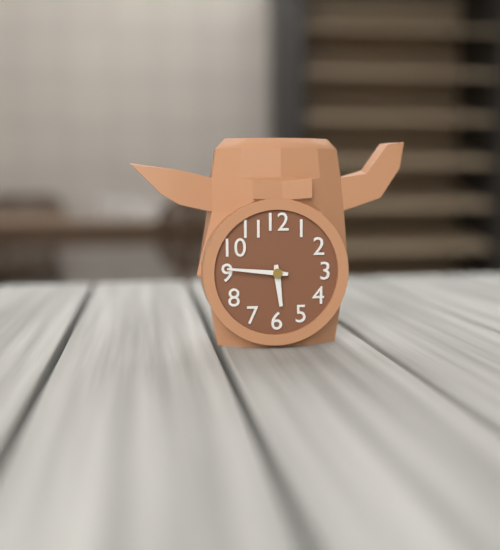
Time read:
5,46
